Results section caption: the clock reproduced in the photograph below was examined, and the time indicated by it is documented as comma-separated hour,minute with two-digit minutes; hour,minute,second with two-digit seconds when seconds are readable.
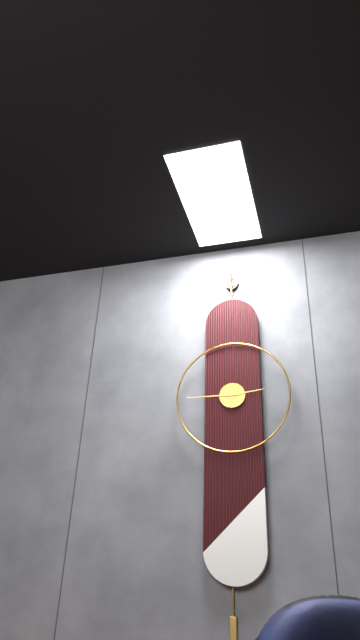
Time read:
2,45
